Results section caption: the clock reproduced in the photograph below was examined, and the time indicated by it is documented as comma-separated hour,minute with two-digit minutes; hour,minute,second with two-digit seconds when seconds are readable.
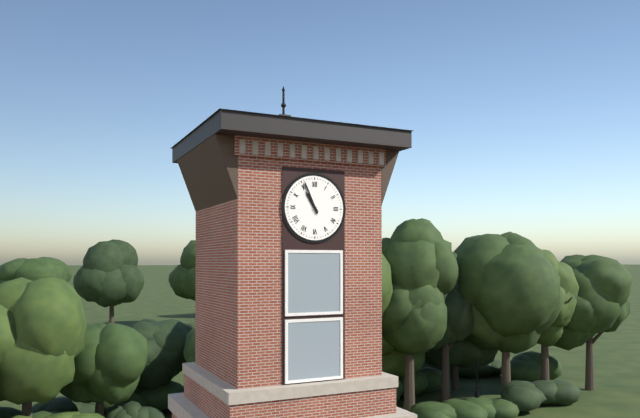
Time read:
10,56
